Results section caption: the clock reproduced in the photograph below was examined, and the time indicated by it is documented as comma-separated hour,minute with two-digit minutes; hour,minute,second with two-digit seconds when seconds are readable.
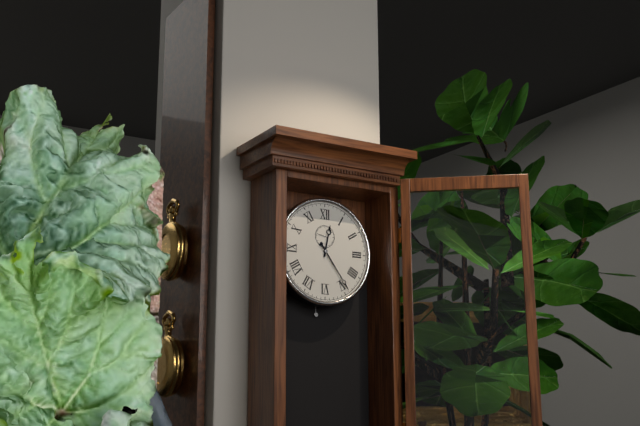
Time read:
12,24
